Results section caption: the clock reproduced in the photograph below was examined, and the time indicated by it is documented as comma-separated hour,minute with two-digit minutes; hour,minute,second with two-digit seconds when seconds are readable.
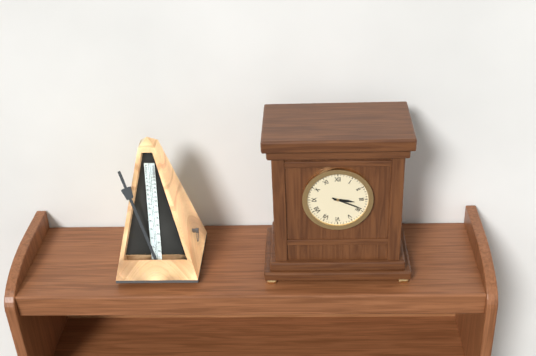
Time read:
3,19
